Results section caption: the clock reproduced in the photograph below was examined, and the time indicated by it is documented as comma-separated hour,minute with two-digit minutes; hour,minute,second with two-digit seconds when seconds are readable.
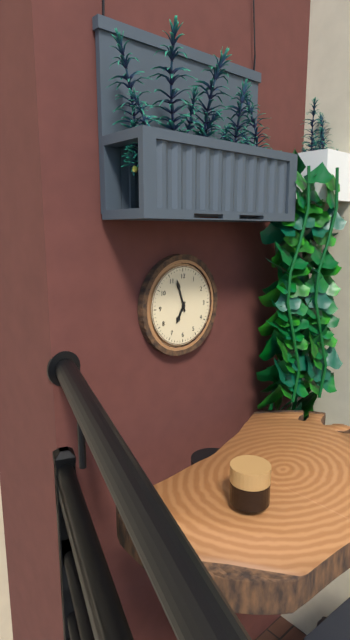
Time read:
6,57
